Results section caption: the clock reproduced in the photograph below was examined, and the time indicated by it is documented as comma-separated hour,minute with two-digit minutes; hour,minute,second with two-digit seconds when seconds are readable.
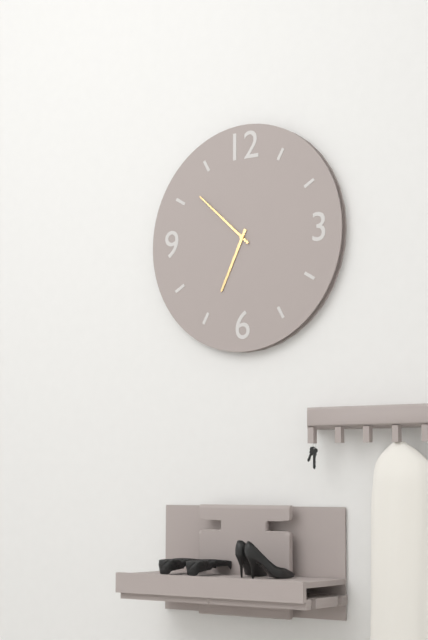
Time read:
6,52
